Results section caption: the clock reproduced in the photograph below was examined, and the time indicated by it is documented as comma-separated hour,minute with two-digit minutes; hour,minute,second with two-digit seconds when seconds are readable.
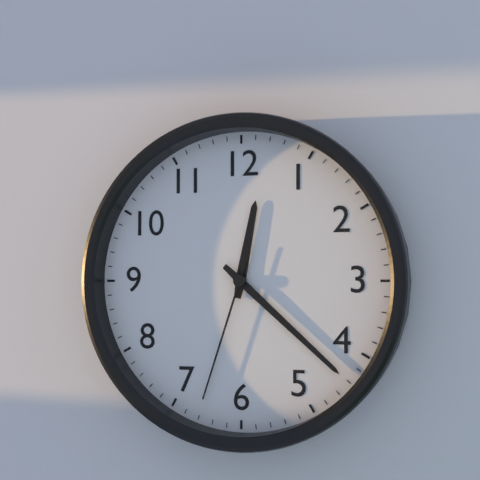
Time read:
12,22,33
